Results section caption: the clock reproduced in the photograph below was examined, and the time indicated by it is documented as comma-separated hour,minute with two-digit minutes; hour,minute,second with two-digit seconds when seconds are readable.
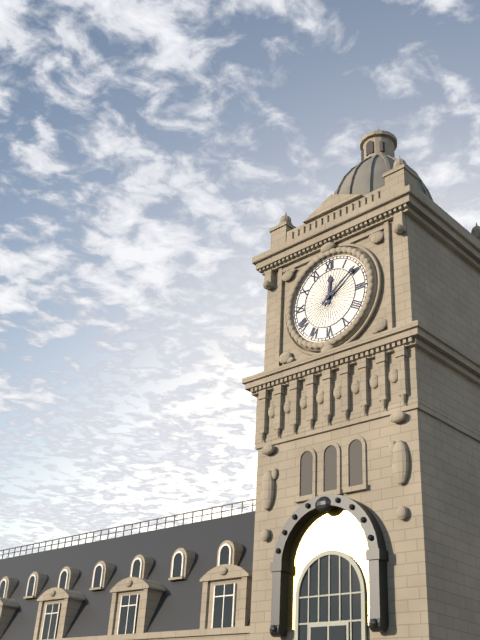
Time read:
12,09
